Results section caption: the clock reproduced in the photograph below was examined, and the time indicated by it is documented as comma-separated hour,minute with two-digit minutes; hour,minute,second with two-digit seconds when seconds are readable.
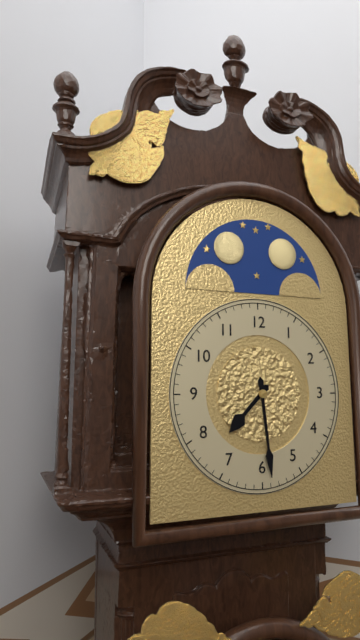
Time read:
7,29
